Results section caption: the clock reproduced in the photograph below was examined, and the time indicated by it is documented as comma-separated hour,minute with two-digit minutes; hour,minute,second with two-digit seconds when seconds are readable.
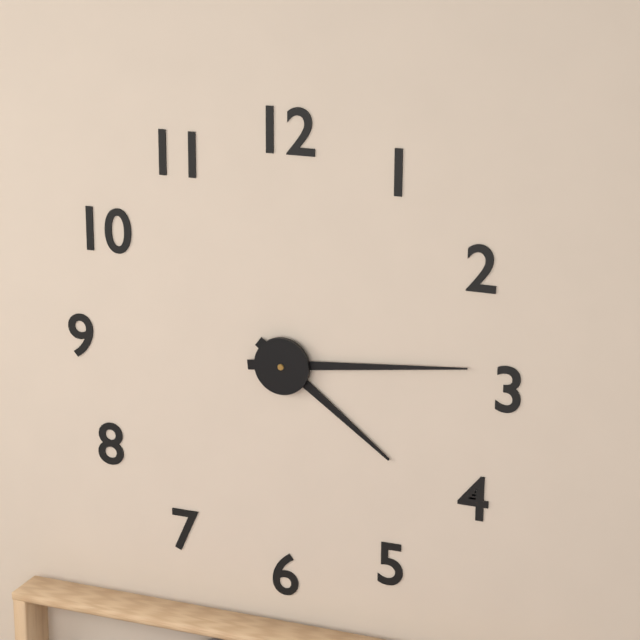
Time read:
4,14
